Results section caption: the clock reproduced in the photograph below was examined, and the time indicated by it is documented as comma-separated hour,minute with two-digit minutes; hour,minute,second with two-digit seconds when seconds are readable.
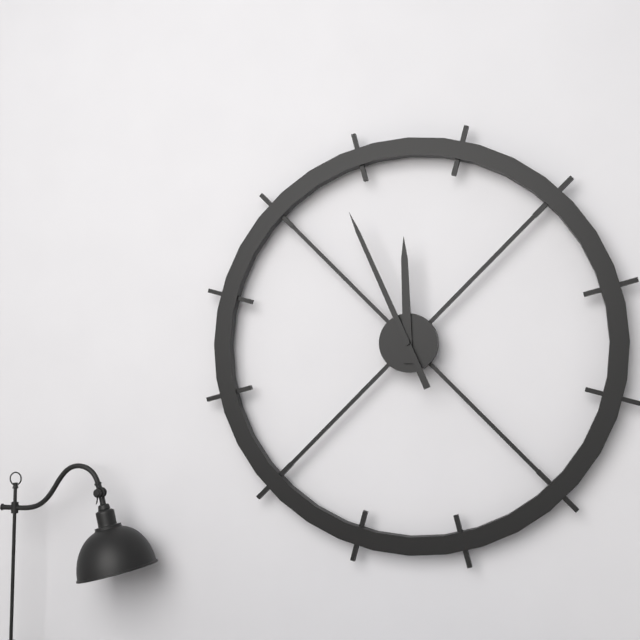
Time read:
11,56
